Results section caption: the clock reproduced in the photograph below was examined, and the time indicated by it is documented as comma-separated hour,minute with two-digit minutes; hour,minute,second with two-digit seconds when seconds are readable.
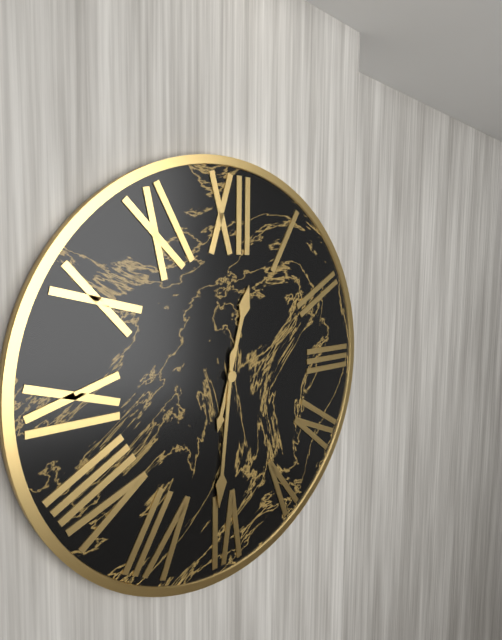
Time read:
12,31
